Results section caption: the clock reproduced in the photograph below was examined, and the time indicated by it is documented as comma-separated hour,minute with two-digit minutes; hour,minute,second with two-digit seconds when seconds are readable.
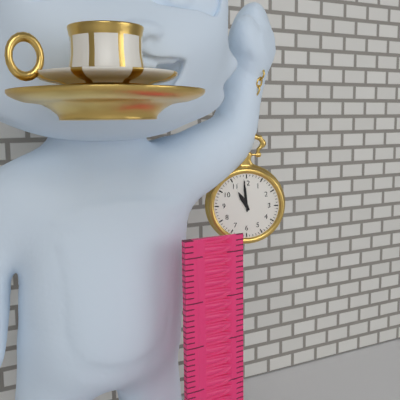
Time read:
10,59
